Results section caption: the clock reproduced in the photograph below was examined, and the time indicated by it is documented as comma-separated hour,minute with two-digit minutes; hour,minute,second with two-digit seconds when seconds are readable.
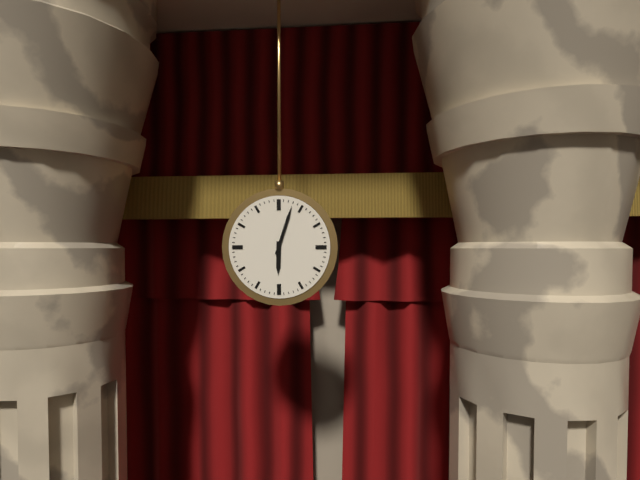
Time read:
6,03
